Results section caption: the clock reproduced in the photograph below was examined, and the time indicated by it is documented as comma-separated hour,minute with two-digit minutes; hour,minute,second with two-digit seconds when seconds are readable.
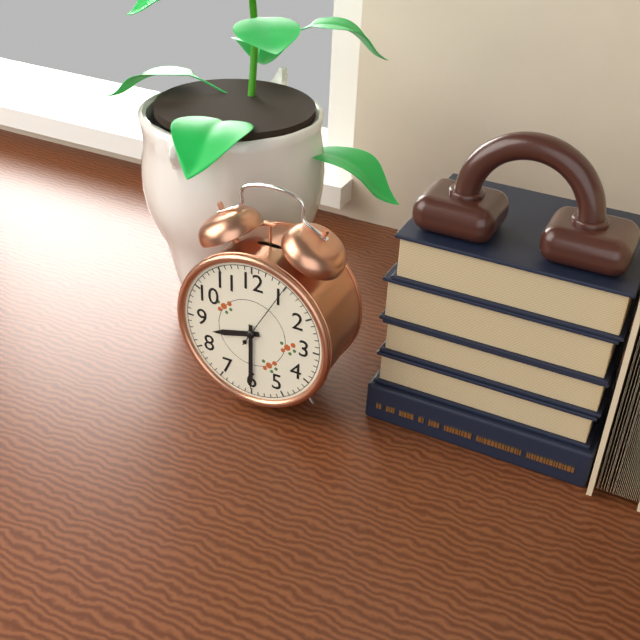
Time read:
8,30,05
